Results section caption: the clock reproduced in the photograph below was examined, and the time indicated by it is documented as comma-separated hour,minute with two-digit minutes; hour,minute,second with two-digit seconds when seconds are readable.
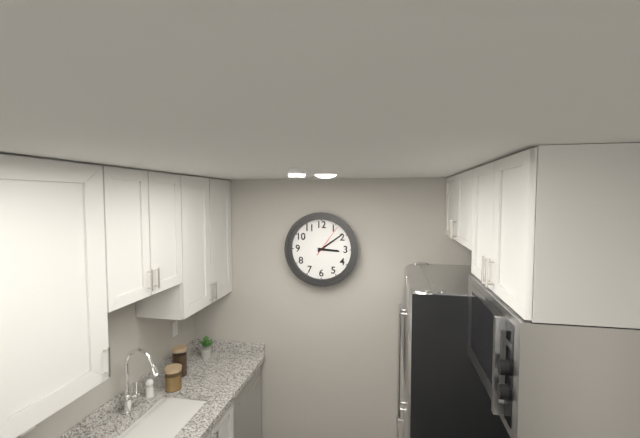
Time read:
3,09
